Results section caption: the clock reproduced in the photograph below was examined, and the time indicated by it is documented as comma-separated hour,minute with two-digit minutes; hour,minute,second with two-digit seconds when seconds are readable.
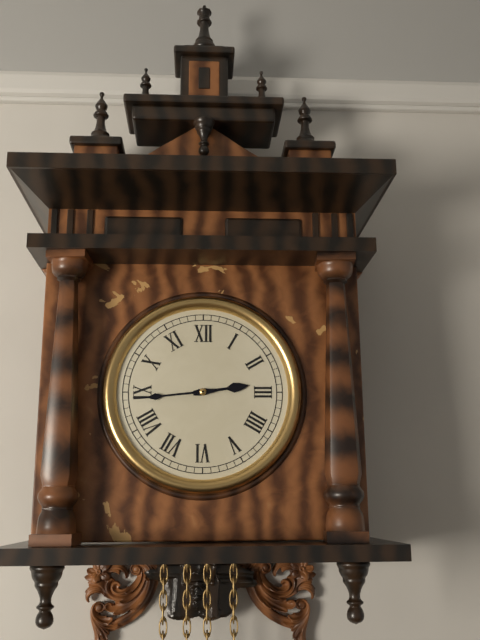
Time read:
2,44
